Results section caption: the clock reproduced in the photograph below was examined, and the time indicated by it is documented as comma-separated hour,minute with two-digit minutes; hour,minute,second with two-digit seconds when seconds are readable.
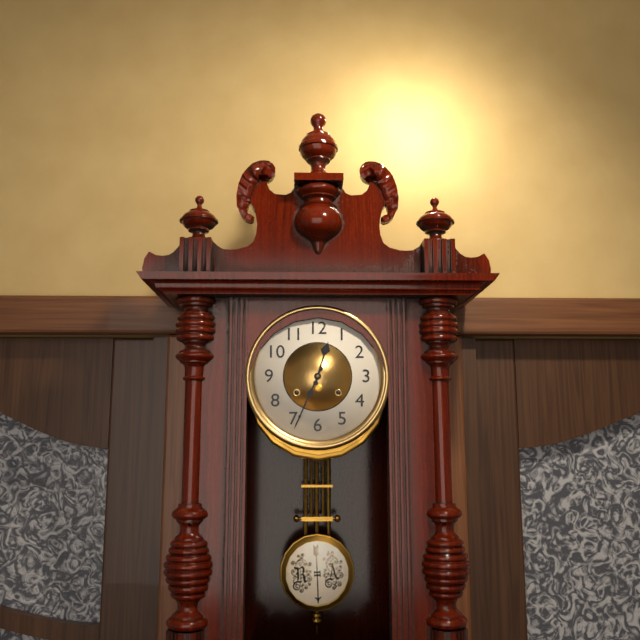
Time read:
12,34
